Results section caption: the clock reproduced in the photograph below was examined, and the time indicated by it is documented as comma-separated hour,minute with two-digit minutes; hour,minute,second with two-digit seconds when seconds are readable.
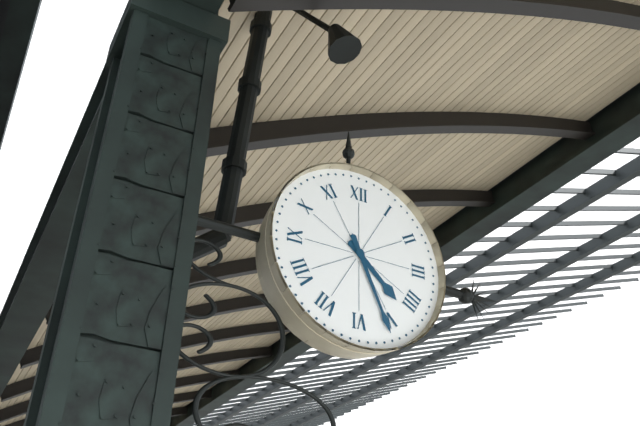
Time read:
4,26
